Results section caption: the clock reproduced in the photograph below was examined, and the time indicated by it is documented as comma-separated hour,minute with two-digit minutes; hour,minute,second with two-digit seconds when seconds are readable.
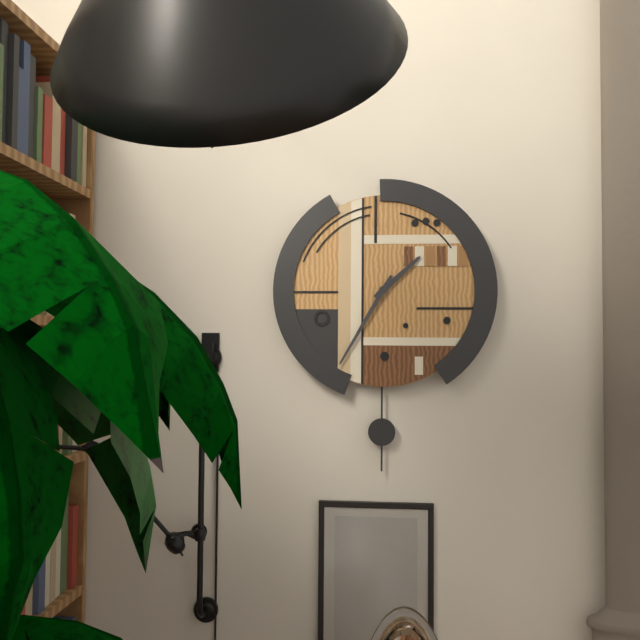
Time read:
1,35
